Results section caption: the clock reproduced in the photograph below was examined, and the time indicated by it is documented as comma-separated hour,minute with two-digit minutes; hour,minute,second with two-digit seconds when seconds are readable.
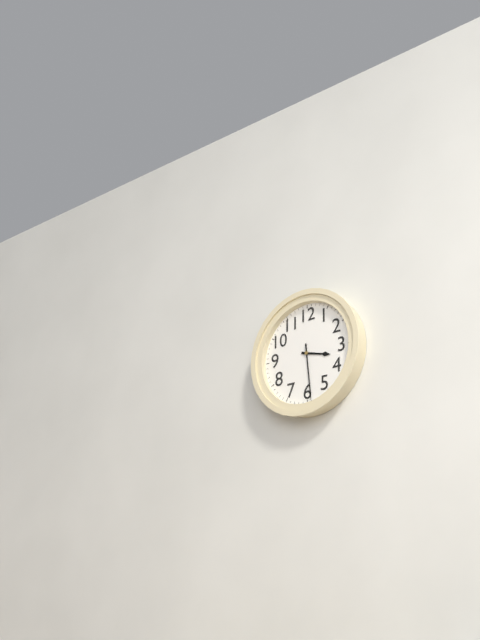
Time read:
3,29
